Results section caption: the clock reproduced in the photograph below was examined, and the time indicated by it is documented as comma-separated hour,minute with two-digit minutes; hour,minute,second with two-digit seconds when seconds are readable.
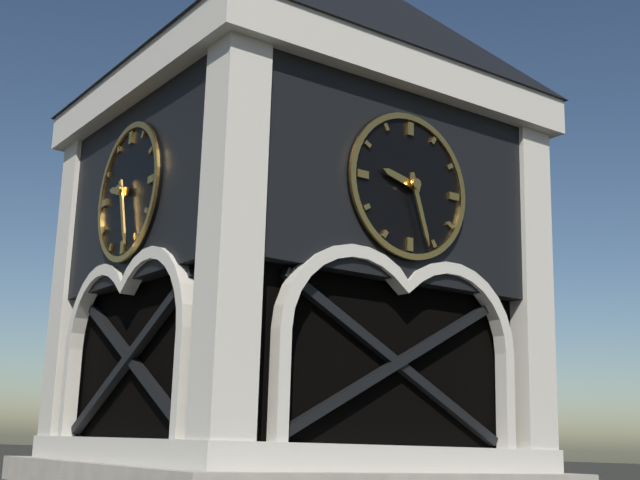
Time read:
9,27
